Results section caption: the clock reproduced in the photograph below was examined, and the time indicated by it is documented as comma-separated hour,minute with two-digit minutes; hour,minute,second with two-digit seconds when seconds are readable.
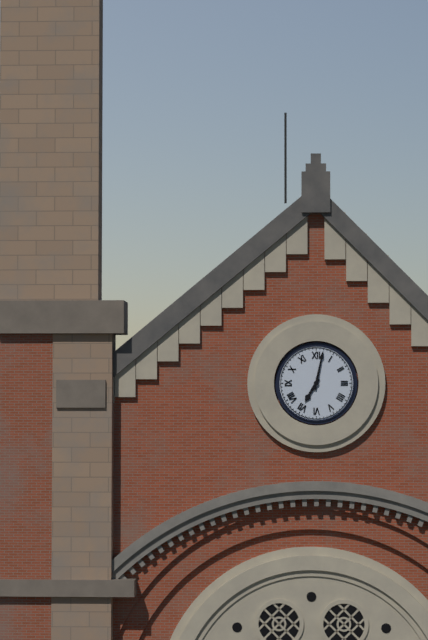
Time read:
7,02
